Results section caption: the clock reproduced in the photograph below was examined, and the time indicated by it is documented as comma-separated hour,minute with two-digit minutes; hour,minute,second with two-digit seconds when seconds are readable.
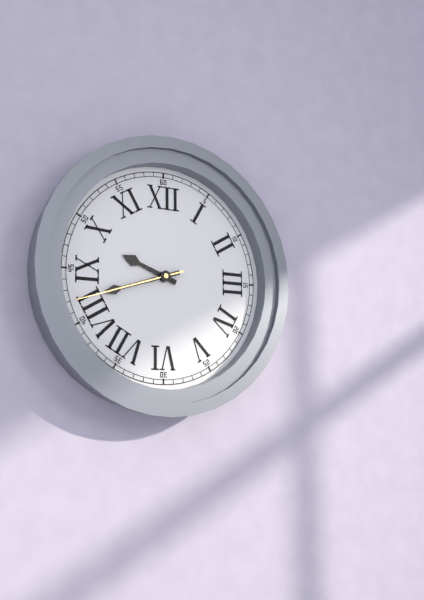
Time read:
9,42,42
